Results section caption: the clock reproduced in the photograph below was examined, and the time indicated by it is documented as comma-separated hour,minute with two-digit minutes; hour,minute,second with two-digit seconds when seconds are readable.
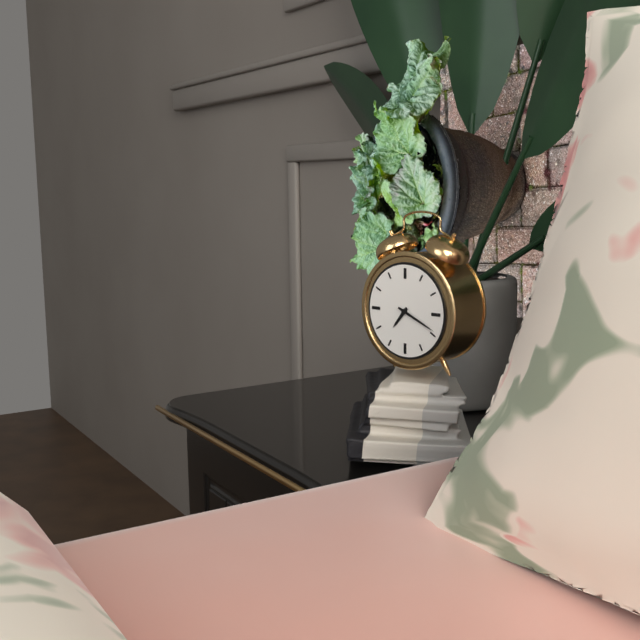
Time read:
7,19
